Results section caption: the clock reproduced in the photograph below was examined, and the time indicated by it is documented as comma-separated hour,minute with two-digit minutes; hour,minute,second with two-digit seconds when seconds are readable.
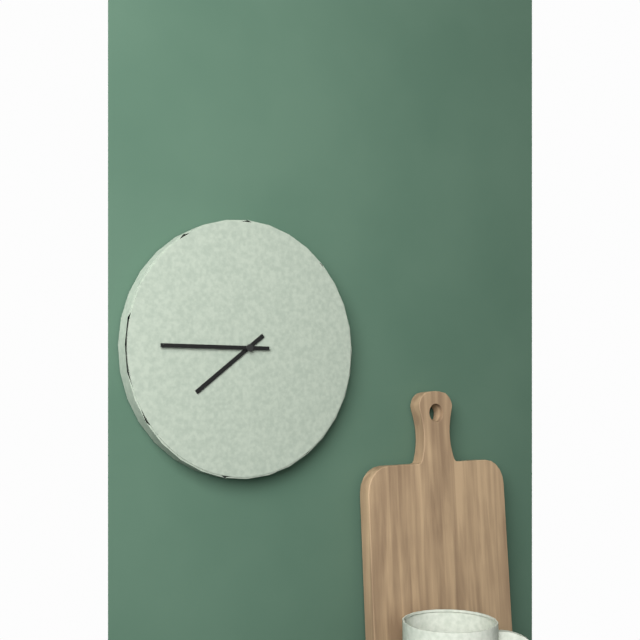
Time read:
7,45
